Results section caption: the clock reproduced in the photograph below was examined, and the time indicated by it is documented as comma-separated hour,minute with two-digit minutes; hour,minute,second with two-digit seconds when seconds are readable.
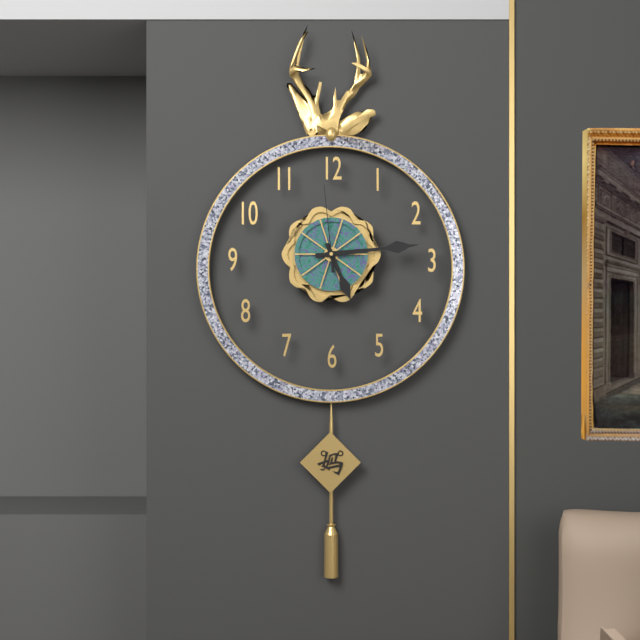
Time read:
5,14,59
